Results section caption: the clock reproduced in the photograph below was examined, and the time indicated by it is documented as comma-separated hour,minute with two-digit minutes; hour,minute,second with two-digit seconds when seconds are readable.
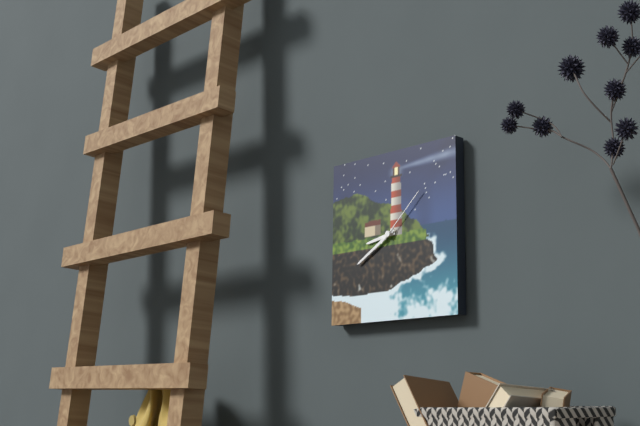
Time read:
8,40,08
